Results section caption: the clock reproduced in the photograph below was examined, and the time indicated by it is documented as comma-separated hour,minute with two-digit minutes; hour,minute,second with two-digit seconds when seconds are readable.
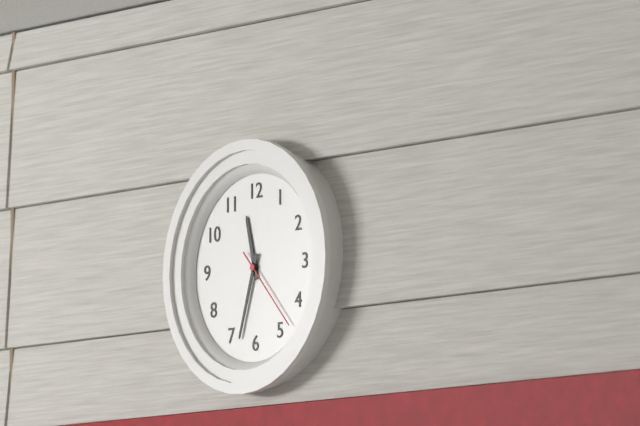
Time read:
11,33,23
